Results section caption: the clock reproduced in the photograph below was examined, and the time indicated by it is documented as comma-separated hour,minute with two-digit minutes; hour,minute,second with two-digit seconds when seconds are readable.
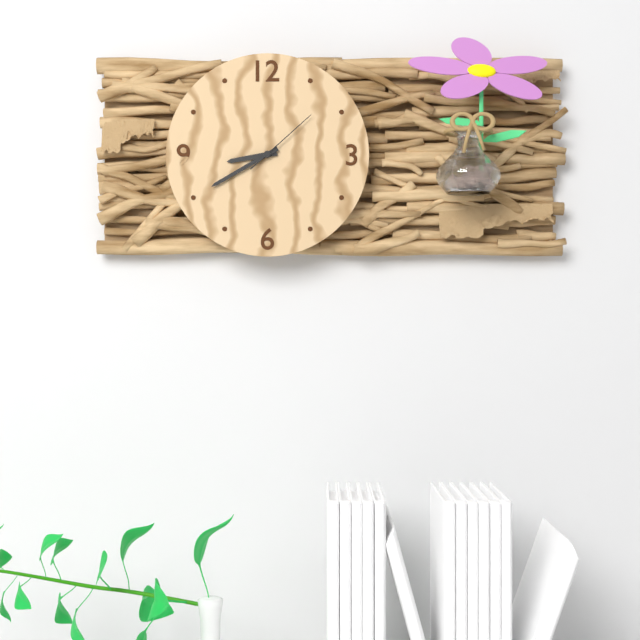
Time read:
8,40,08
